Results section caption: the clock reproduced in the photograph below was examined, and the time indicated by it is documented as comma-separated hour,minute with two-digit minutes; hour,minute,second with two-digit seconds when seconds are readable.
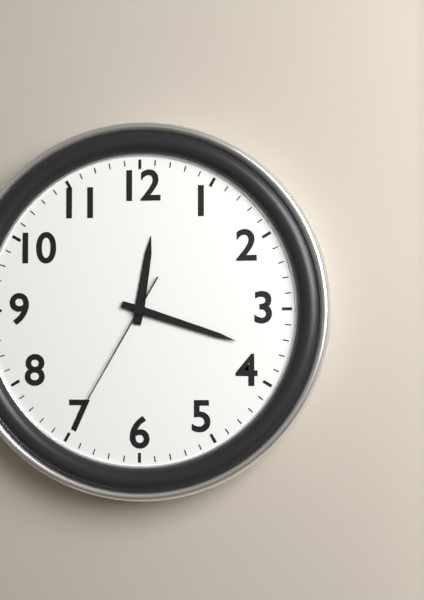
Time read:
12,18,35
